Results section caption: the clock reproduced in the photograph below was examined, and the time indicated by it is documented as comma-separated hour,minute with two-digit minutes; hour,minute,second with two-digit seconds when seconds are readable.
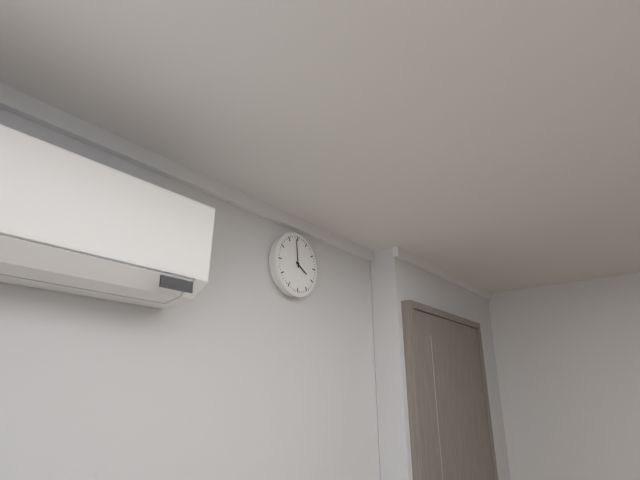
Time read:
3,59
